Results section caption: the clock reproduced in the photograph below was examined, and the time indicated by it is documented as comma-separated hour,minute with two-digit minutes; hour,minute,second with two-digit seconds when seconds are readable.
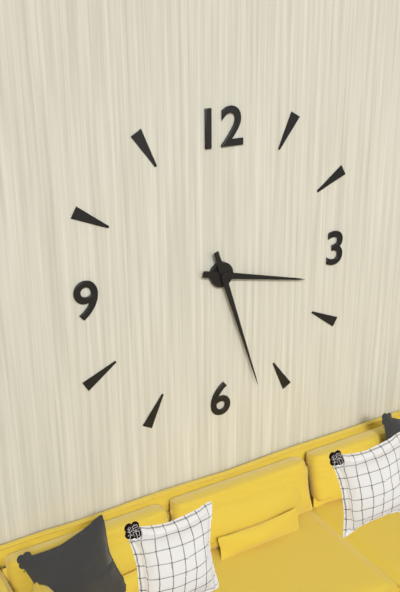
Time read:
3,27
